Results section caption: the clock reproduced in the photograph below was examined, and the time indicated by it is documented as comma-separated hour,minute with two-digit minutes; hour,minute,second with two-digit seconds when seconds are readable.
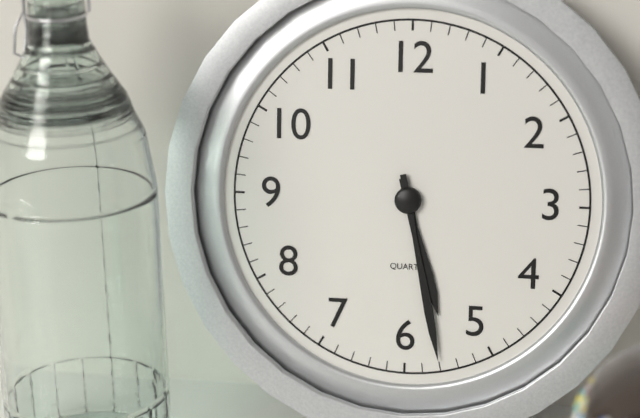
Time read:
5,28
